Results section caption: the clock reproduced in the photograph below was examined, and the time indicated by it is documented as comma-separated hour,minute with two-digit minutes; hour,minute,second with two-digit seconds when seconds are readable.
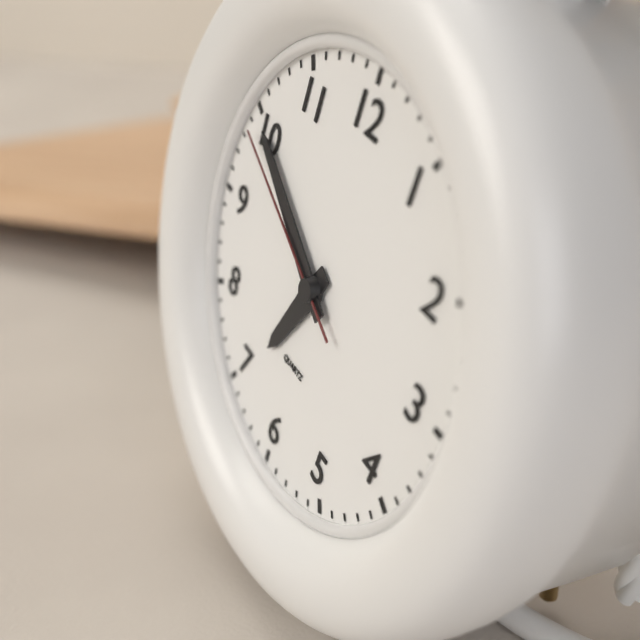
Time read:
6,50,49
